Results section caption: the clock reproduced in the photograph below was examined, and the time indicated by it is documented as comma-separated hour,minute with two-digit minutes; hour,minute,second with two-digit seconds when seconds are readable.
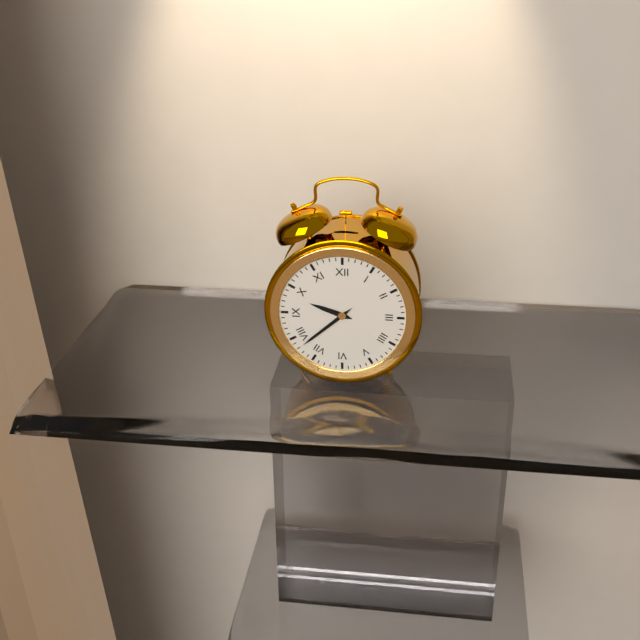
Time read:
9,38
